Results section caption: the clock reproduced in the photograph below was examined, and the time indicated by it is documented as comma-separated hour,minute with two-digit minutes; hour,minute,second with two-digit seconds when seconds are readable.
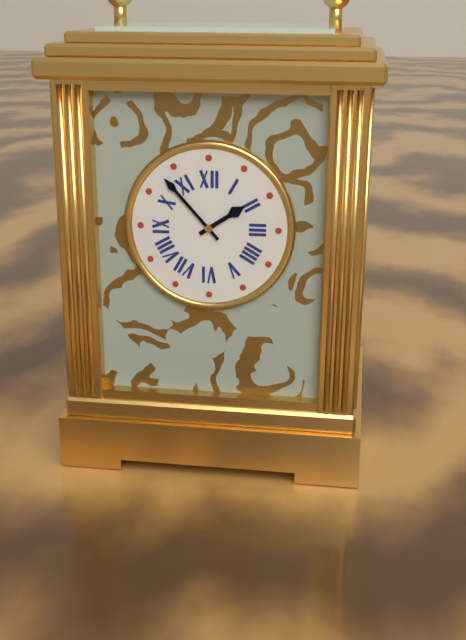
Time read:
1,53
